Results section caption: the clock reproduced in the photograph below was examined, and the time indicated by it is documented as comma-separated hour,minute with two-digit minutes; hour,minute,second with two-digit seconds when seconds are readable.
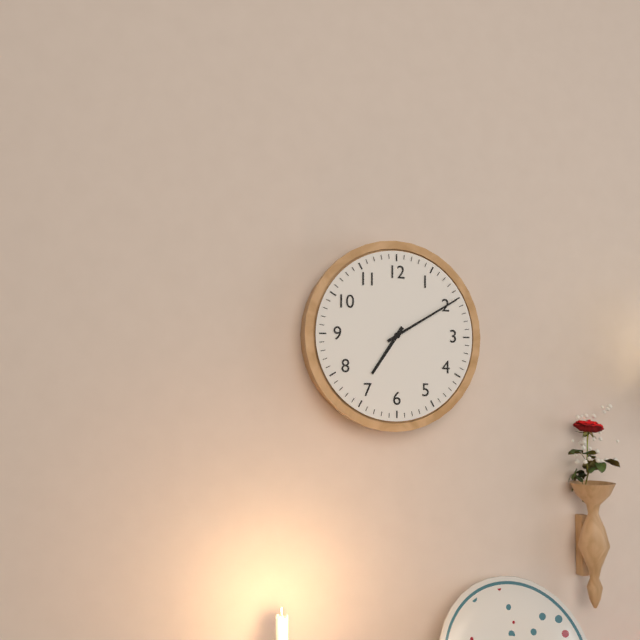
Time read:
7,10
